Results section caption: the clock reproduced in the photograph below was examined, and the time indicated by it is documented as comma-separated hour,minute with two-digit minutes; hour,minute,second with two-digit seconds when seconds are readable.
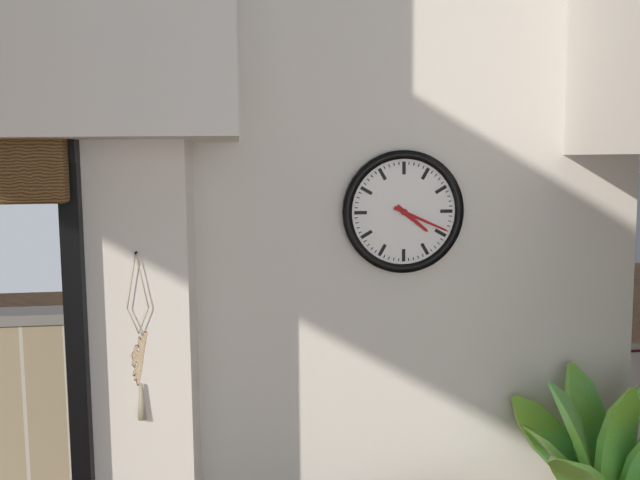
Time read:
4,19
